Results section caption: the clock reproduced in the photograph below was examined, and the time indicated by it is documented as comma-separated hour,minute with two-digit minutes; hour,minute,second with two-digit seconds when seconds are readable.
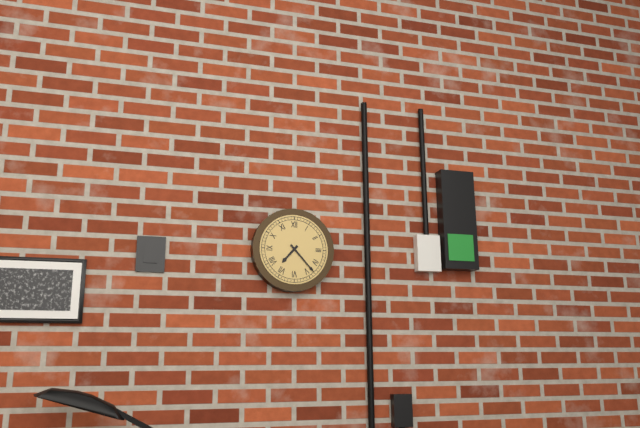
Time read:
7,23
